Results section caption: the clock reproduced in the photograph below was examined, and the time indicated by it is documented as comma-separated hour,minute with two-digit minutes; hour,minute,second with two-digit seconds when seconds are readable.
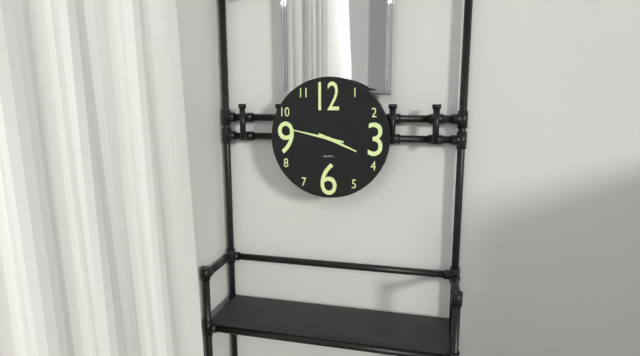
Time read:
3,47
